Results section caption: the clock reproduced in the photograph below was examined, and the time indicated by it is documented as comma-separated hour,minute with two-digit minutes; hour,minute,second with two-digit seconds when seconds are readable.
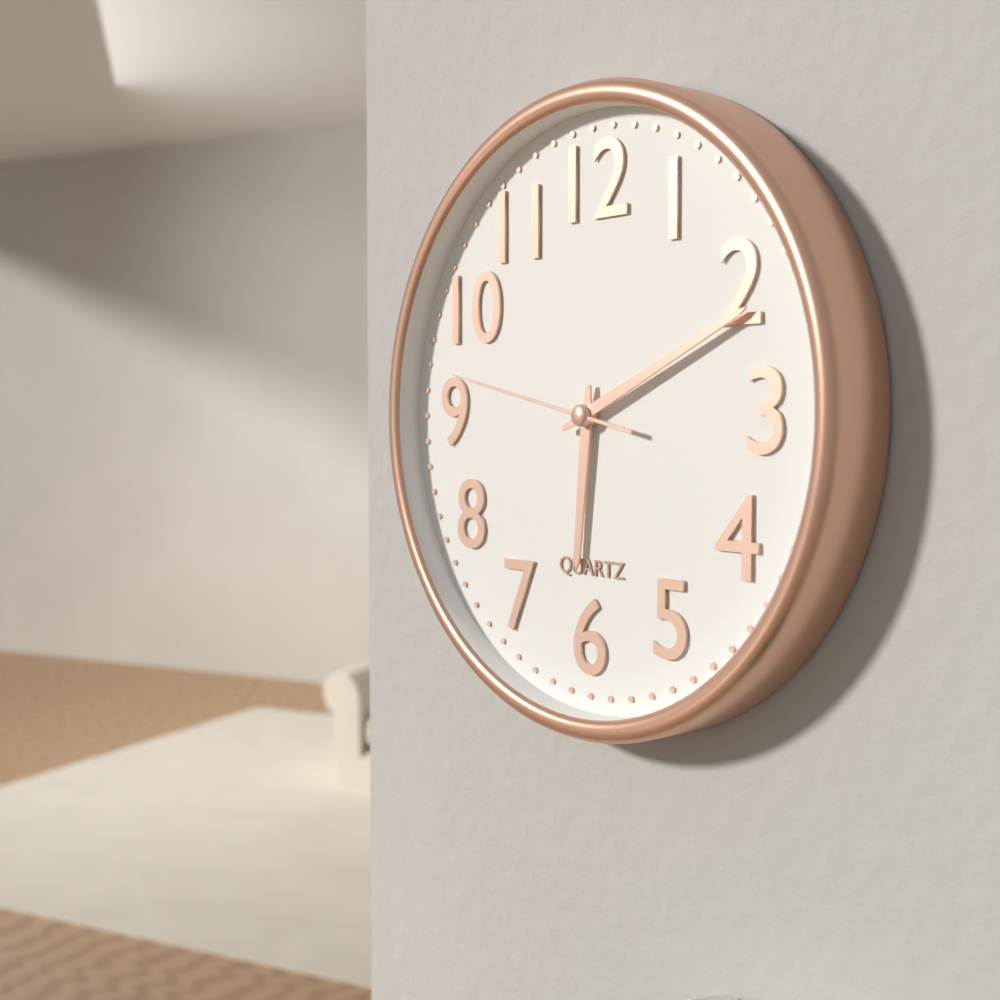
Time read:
6,11,47
